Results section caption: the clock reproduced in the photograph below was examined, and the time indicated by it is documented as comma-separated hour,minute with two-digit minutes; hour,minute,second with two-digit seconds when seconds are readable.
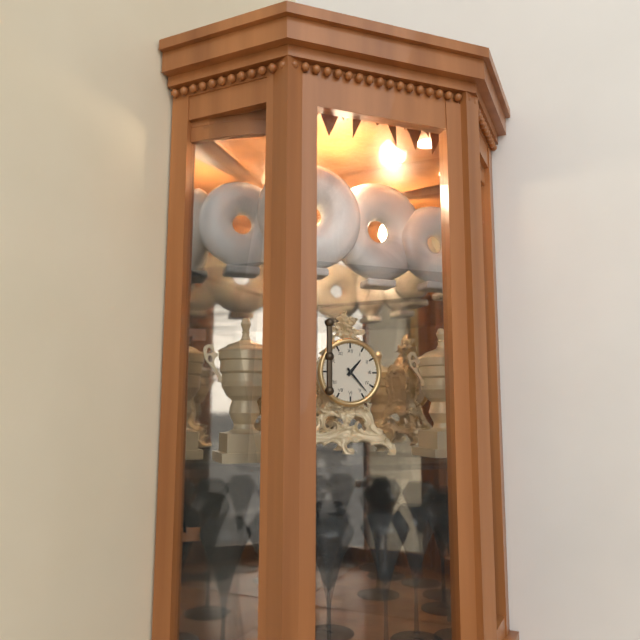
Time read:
1,23
